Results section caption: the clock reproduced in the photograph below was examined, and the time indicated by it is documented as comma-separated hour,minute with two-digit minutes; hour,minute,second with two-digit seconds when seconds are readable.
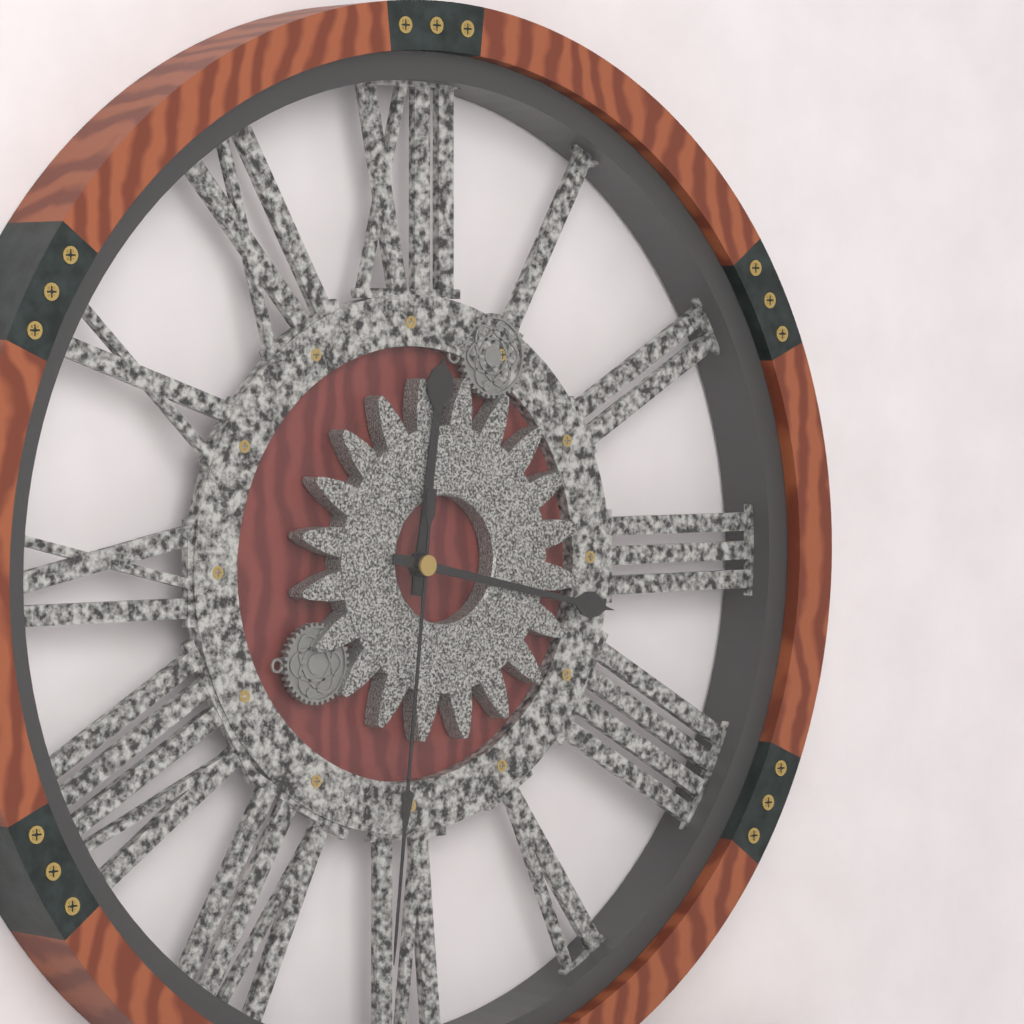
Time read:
12,17,31
